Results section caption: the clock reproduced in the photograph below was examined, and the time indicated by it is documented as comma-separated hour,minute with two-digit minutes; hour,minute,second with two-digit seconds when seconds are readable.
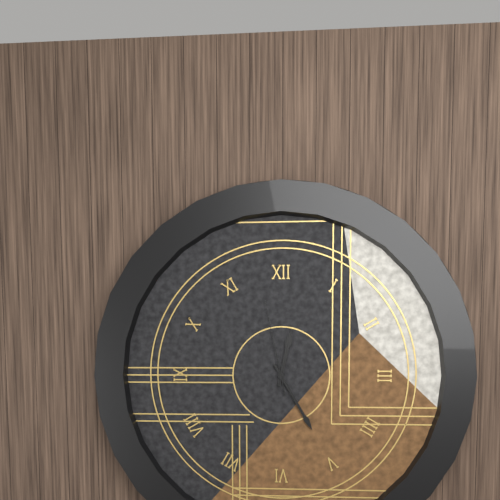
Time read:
12,25,58
